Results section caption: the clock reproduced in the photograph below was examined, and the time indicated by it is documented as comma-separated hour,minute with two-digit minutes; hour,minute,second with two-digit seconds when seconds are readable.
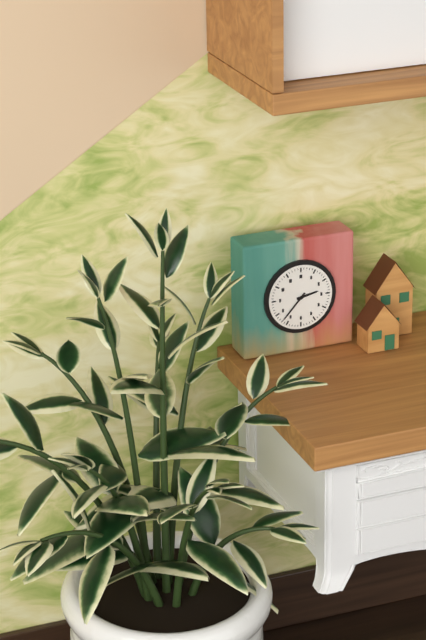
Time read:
2,37
